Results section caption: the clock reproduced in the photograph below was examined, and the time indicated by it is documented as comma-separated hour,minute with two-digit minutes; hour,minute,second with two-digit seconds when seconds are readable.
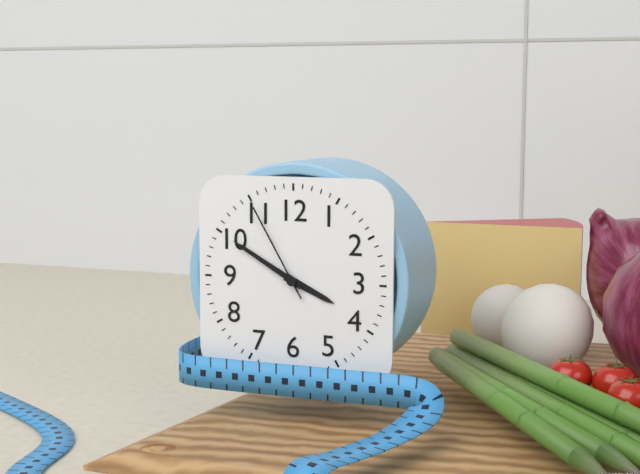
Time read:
3,50,55
